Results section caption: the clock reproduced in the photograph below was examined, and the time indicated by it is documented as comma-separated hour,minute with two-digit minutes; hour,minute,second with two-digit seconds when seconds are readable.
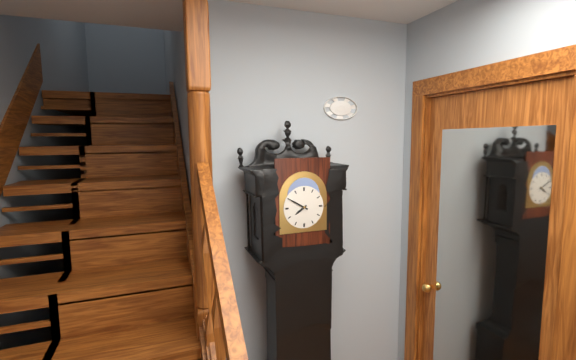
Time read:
7,50
